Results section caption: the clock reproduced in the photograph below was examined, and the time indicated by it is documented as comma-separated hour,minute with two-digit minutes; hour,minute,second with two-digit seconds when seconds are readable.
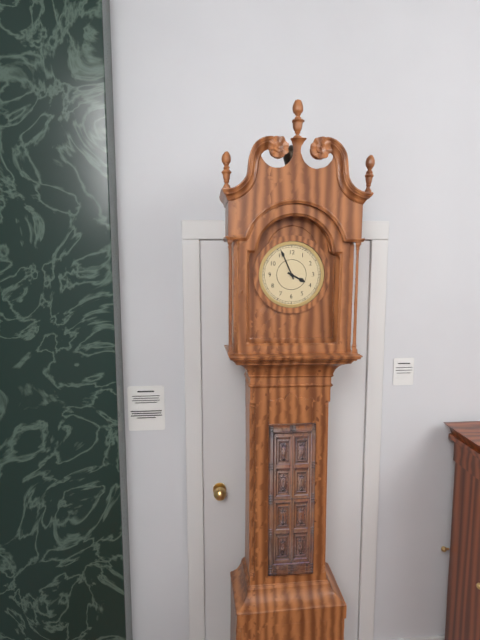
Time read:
3,56
